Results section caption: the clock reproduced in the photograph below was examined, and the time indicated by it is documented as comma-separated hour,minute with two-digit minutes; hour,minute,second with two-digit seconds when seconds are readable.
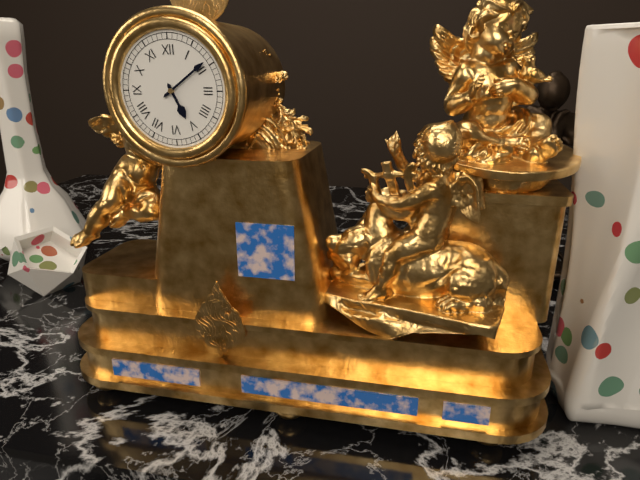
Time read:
5,09
